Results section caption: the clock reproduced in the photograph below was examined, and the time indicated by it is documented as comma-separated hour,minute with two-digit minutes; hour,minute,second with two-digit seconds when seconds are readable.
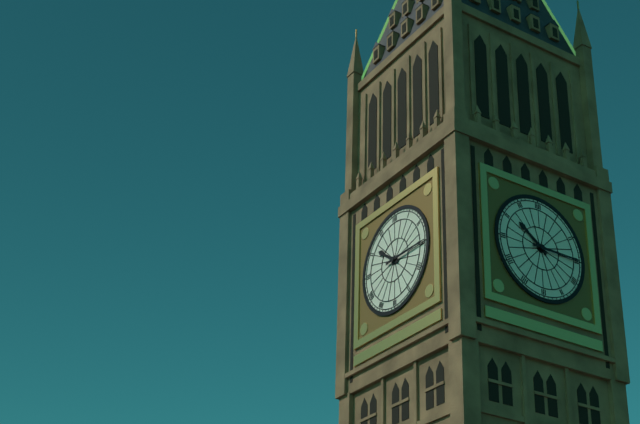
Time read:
10,15
